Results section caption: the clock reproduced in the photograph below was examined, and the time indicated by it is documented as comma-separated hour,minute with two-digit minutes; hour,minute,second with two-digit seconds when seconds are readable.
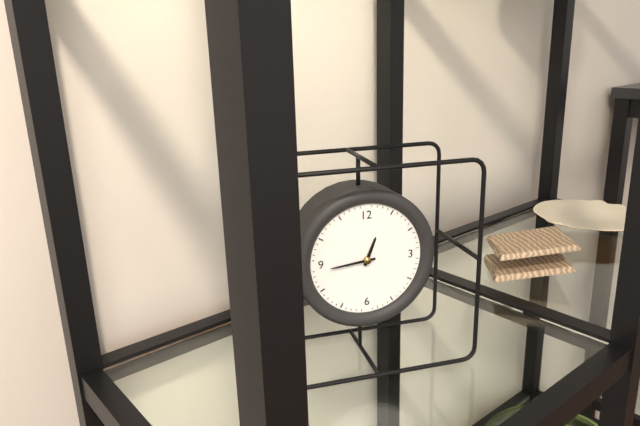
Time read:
12,44
